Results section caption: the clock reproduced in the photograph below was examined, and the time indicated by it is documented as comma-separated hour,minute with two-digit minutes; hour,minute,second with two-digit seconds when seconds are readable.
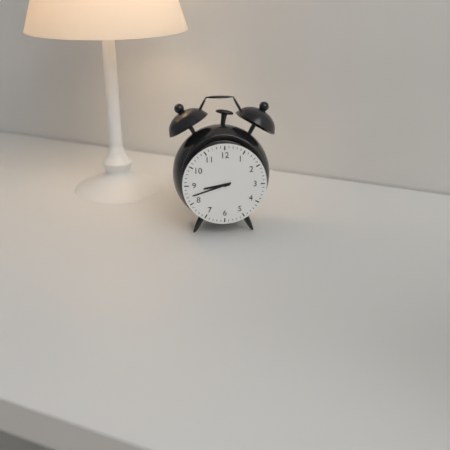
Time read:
8,42
